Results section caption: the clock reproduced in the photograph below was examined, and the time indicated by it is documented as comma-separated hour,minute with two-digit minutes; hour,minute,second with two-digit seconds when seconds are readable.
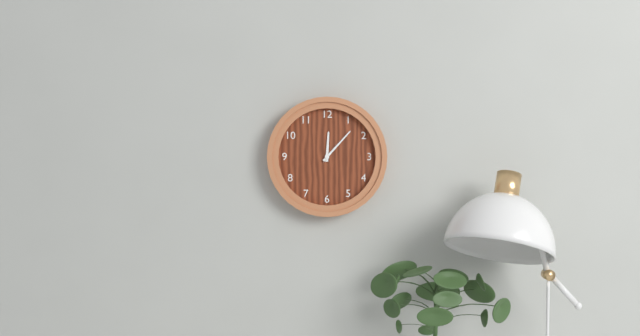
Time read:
12,07
